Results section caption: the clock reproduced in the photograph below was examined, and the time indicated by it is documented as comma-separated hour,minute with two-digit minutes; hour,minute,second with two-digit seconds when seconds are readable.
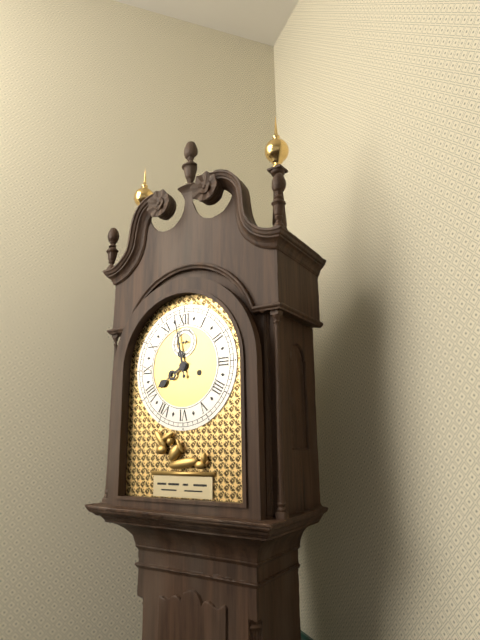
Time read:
7,58
